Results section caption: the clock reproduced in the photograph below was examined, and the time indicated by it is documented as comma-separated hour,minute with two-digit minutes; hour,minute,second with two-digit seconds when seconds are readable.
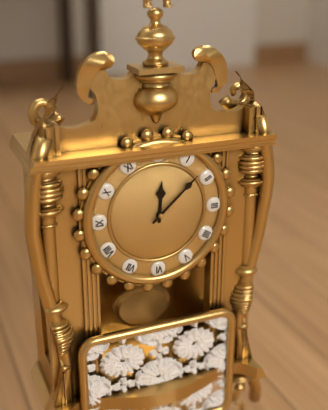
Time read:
12,08
